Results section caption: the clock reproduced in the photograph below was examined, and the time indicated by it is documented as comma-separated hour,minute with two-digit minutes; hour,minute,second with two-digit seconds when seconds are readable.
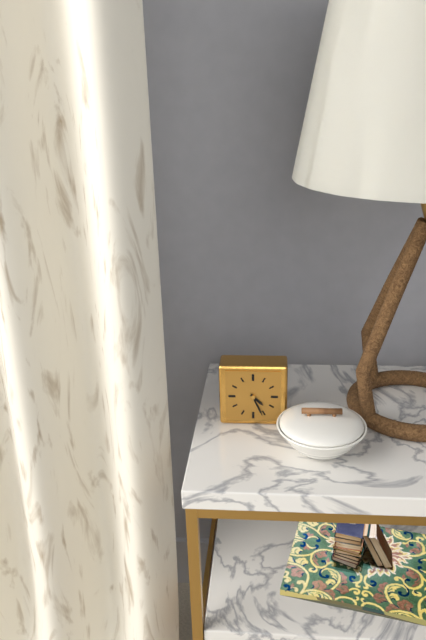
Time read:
4,26
